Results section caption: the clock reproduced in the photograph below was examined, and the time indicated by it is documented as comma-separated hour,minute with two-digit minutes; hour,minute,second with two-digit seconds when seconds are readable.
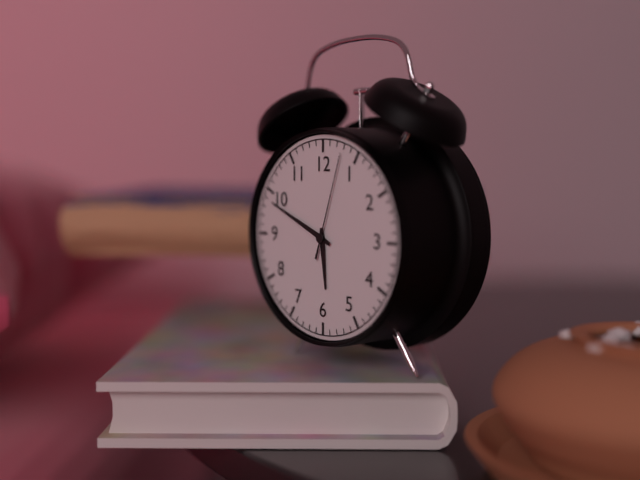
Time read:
5,49,03
